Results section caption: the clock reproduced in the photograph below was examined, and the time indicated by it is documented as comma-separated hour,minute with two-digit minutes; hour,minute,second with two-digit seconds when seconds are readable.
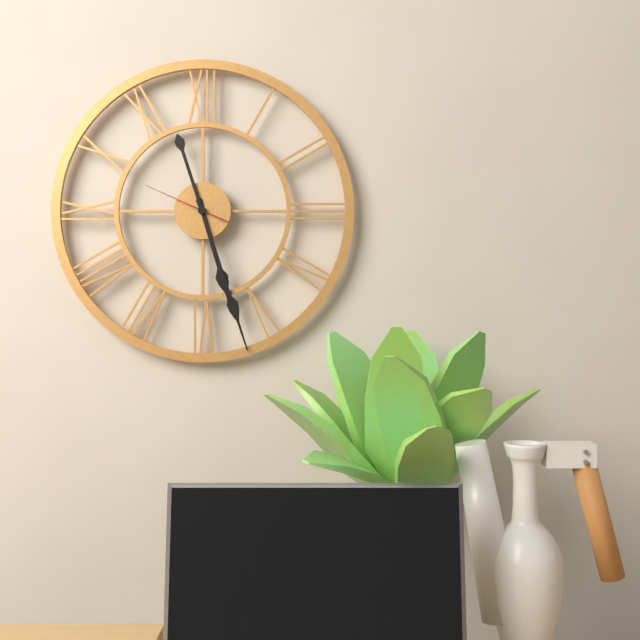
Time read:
5,27,49
